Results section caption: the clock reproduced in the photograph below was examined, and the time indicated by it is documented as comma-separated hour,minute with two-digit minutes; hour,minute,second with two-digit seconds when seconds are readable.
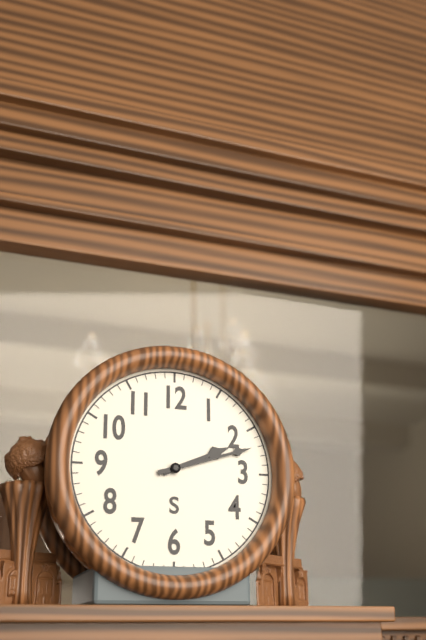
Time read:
2,12
